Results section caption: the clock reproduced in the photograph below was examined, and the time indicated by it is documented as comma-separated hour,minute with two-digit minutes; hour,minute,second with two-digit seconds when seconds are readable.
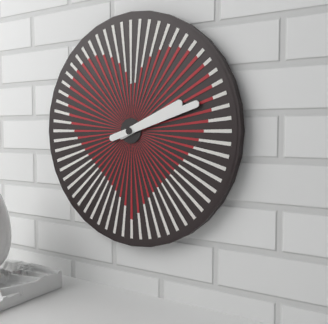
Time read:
2,12
